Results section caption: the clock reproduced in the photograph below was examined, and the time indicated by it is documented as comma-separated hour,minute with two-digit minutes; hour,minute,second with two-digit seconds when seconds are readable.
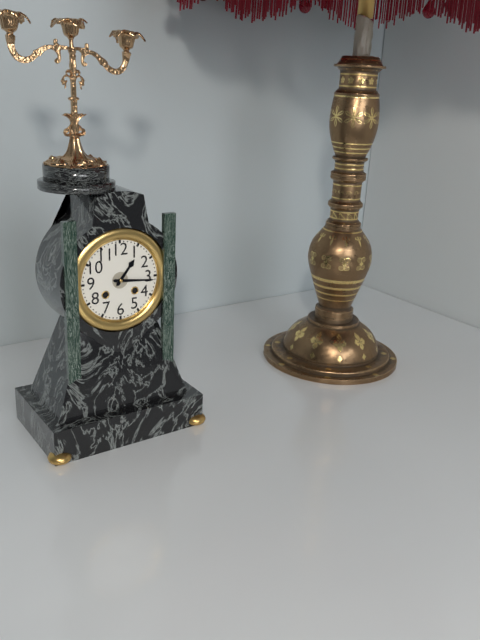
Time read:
1,16
